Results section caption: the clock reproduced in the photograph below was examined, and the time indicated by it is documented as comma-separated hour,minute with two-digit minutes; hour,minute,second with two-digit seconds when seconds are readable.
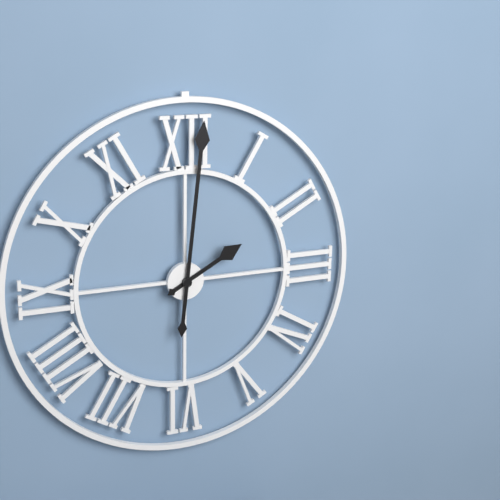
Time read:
2,01
